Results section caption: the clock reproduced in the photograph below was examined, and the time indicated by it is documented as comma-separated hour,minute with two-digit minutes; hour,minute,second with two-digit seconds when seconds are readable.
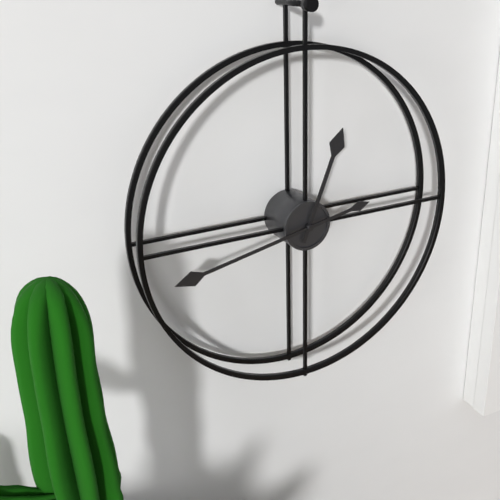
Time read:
12,43
